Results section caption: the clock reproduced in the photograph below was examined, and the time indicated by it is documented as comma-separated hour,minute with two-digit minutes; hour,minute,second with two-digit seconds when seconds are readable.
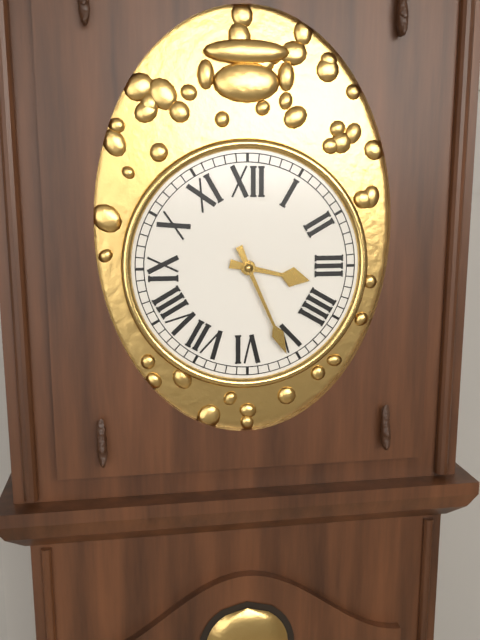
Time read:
3,26
